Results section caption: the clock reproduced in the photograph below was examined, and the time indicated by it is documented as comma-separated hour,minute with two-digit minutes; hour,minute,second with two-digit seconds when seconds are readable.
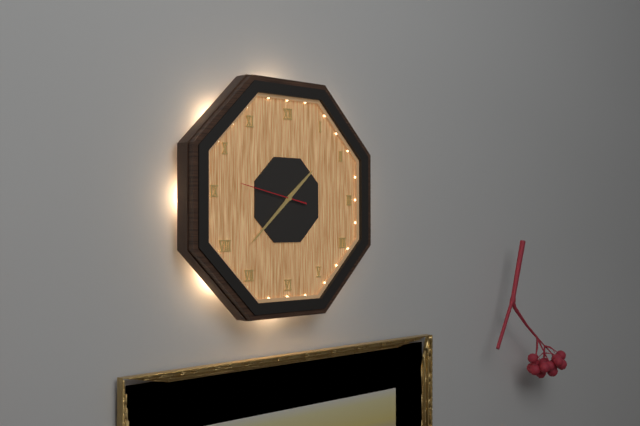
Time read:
1,38
